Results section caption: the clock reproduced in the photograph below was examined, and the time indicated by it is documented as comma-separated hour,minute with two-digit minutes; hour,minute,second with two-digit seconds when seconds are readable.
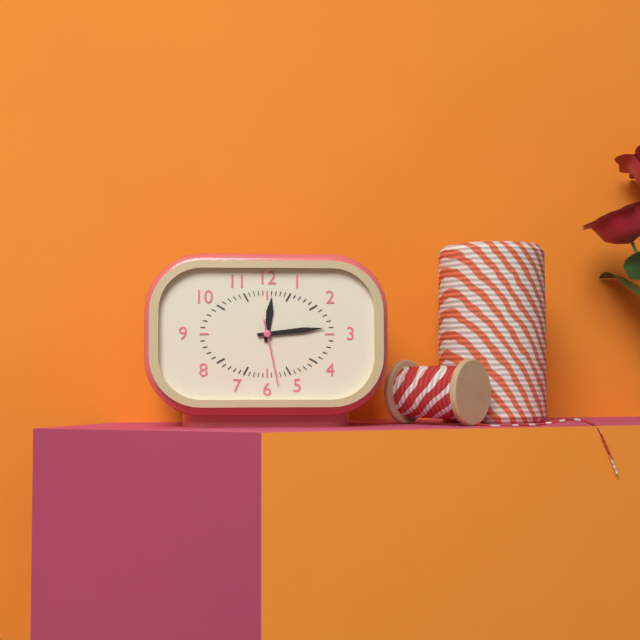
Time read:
12,14,28
